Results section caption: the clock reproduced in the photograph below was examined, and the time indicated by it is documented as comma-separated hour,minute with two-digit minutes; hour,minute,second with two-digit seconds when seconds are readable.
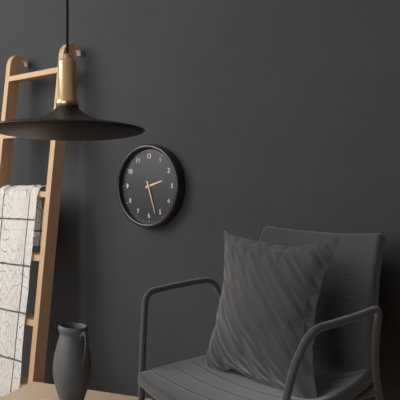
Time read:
2,27
